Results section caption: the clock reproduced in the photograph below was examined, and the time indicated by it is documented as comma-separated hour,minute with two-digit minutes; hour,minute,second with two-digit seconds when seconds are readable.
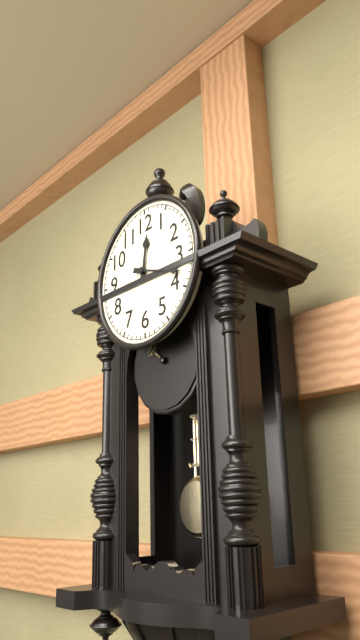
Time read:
12,18
